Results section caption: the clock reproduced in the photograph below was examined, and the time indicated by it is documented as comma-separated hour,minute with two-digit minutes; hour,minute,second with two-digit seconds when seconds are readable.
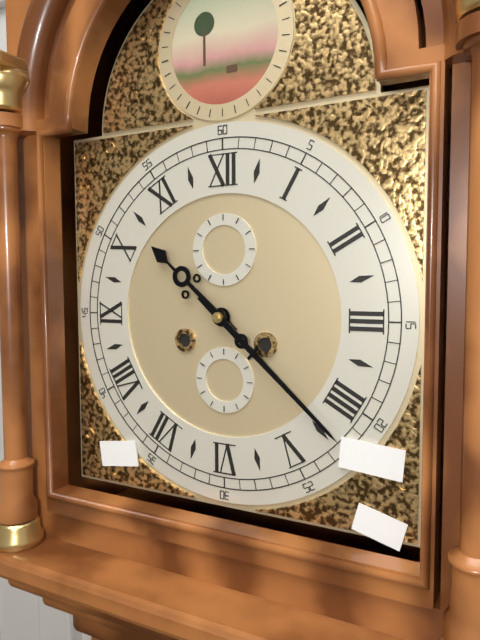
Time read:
10,22
